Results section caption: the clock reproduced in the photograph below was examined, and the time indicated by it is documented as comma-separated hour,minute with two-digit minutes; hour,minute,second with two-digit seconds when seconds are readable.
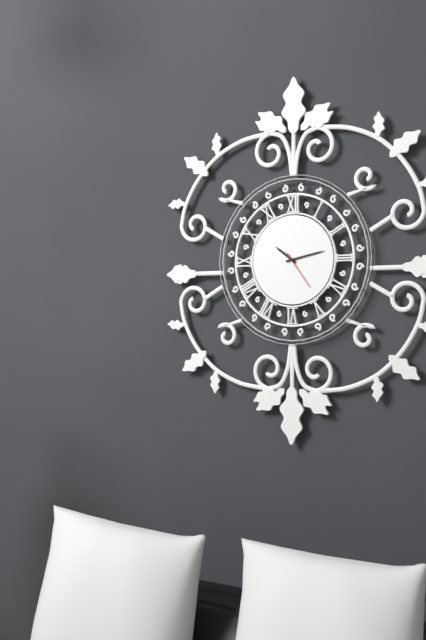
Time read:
10,13
